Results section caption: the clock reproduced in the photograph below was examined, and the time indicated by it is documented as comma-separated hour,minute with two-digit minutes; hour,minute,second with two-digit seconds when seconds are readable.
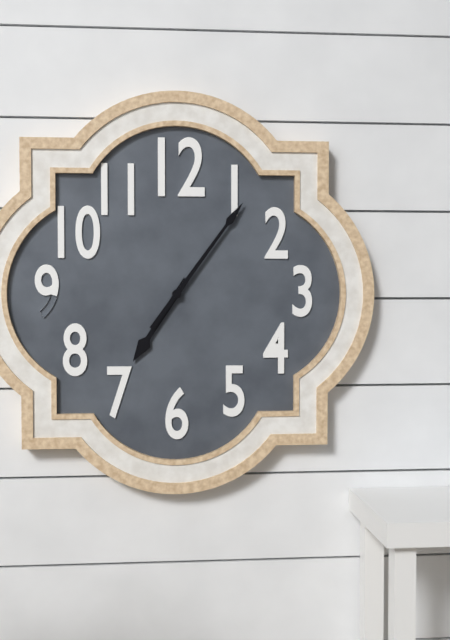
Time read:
7,06
